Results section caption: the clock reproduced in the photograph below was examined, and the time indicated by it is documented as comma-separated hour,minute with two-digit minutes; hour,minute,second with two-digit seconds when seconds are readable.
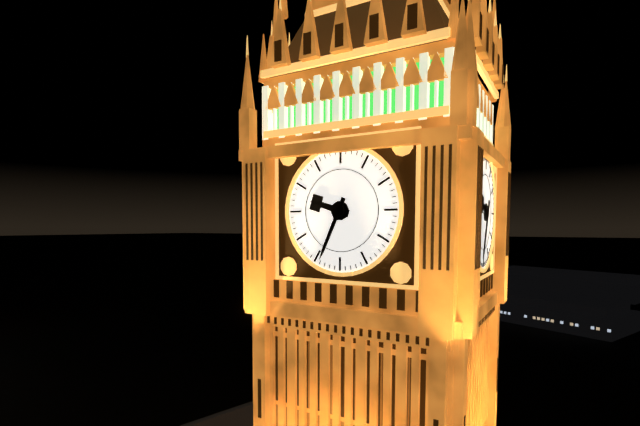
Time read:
9,34
